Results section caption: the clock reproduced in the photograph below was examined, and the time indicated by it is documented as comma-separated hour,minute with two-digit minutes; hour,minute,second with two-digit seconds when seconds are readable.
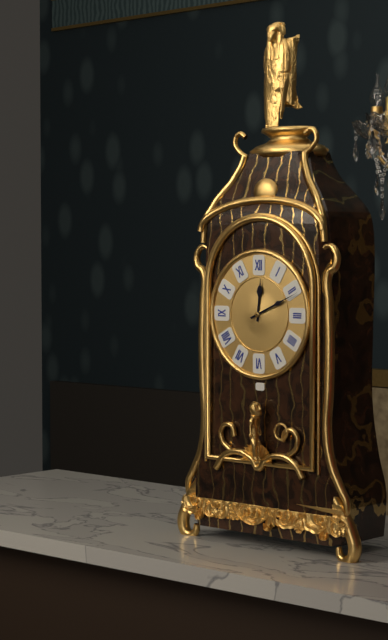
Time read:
12,11
